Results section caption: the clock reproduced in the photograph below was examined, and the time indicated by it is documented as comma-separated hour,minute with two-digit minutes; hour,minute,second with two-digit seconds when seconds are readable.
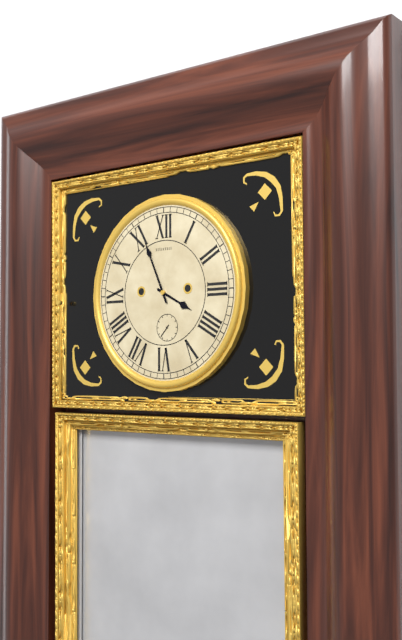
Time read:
3,56
